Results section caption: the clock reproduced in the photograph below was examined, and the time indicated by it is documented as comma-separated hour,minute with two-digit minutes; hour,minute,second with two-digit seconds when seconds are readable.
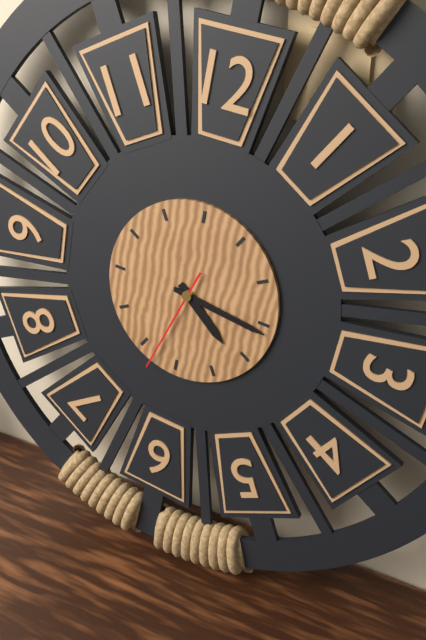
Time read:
4,16,33
